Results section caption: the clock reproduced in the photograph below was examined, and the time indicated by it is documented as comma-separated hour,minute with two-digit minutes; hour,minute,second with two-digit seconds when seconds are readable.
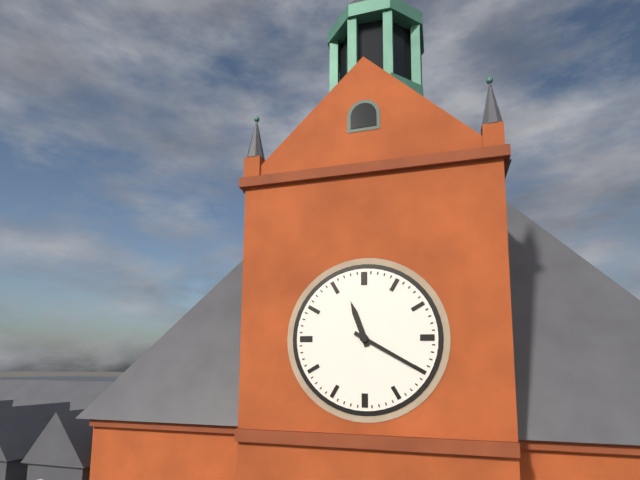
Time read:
11,20
